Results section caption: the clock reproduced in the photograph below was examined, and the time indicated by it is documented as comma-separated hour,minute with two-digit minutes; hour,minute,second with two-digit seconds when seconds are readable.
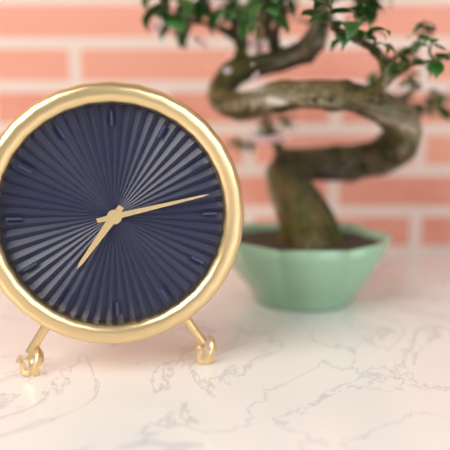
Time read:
7,13
